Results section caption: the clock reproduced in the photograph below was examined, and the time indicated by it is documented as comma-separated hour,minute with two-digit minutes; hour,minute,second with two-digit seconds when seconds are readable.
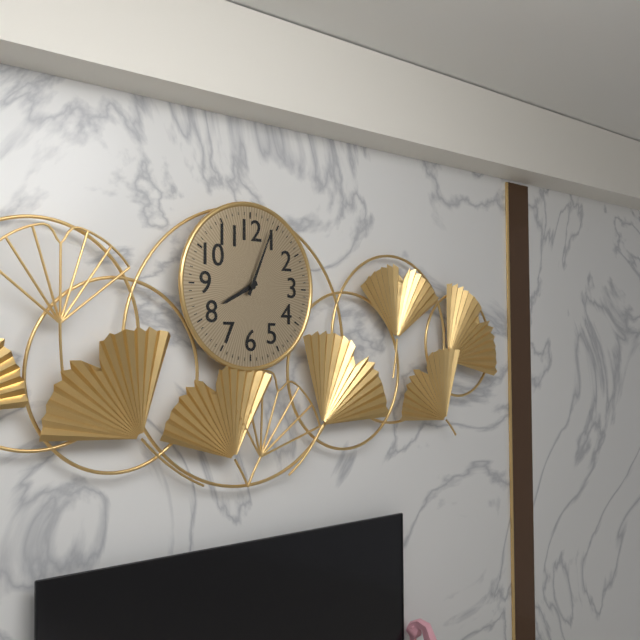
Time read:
8,04
